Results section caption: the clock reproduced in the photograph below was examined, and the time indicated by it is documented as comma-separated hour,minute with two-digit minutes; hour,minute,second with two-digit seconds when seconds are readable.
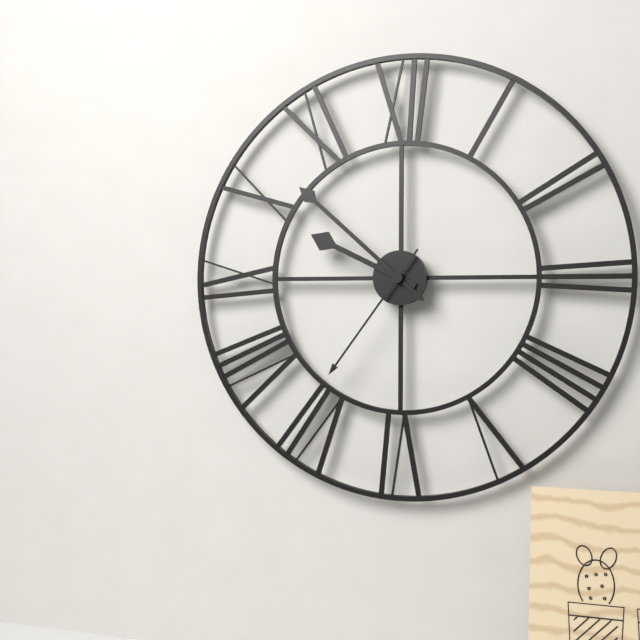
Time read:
9,52,36
